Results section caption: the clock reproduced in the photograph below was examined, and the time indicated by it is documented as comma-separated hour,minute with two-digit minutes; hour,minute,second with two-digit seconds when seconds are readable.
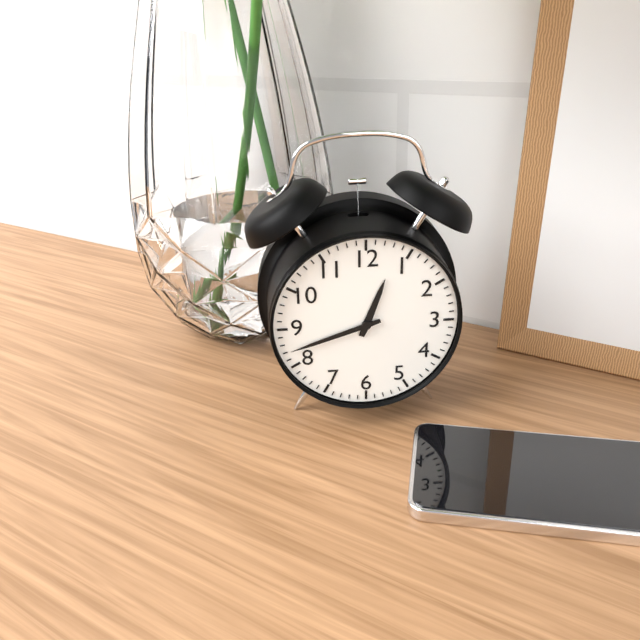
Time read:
12,42
